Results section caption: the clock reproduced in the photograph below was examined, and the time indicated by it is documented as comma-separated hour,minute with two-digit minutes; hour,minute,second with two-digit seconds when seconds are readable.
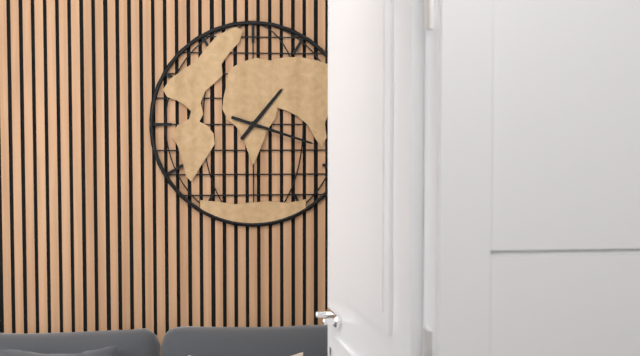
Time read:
1,18
